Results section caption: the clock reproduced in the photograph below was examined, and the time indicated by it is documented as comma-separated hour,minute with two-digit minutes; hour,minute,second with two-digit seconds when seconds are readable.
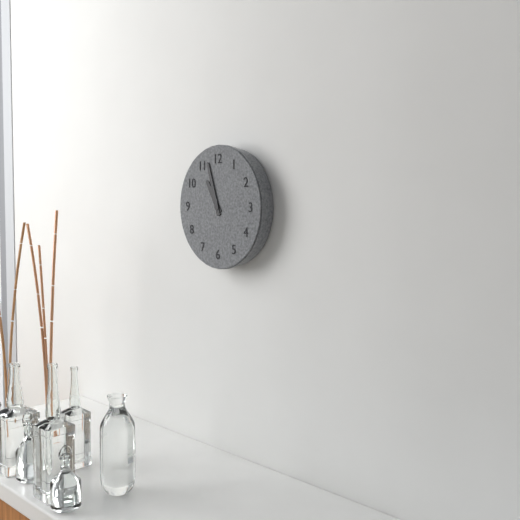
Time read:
10,57
